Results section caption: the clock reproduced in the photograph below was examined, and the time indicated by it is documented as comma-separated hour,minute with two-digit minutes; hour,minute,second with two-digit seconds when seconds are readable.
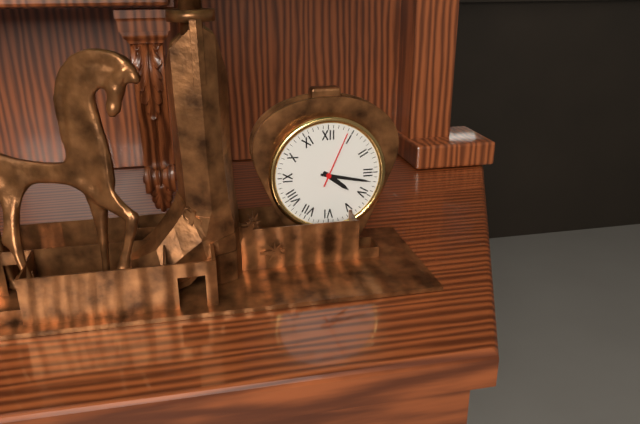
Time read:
4,17,04
